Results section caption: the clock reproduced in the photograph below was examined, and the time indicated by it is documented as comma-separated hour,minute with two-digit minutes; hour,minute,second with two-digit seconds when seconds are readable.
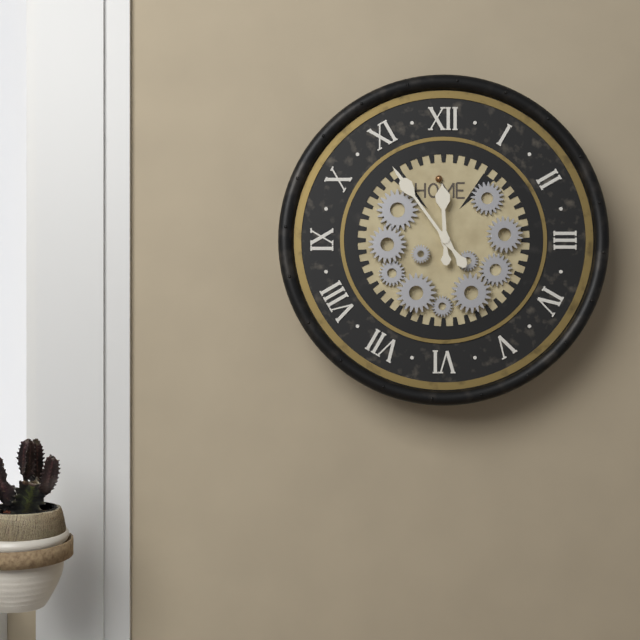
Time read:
11,54
